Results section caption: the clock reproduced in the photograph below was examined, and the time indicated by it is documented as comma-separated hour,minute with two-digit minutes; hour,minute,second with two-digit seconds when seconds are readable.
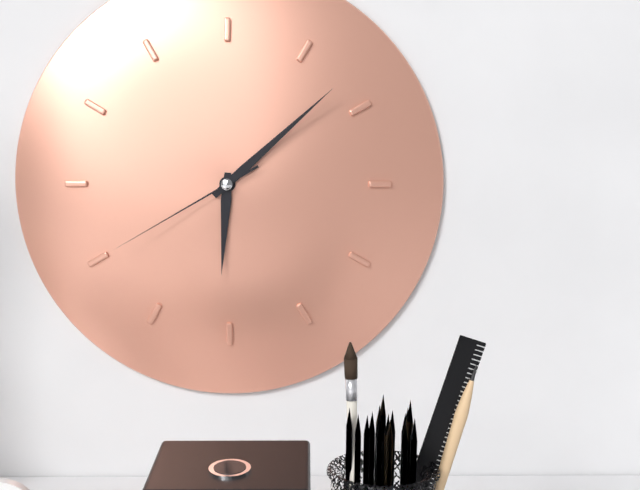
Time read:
6,08,40
